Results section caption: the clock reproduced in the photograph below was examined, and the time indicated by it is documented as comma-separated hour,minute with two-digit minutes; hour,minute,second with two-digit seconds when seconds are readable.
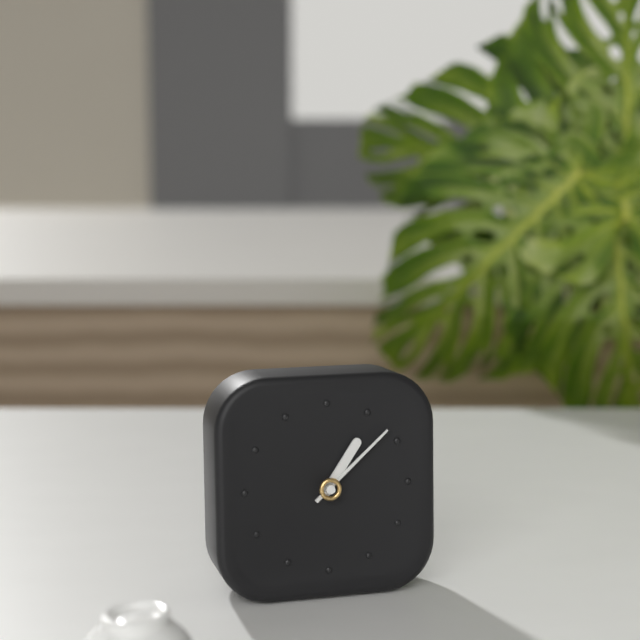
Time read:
1,08
